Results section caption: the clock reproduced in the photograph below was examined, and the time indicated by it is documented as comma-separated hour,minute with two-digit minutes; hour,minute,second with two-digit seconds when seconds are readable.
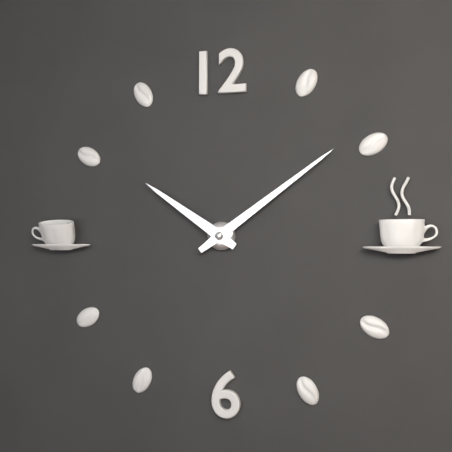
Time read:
10,09
